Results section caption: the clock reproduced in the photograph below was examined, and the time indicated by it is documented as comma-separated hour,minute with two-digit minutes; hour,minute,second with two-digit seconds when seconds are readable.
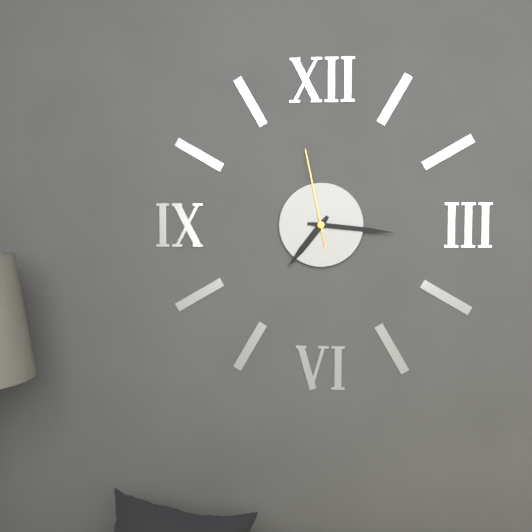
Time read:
7,16,58
